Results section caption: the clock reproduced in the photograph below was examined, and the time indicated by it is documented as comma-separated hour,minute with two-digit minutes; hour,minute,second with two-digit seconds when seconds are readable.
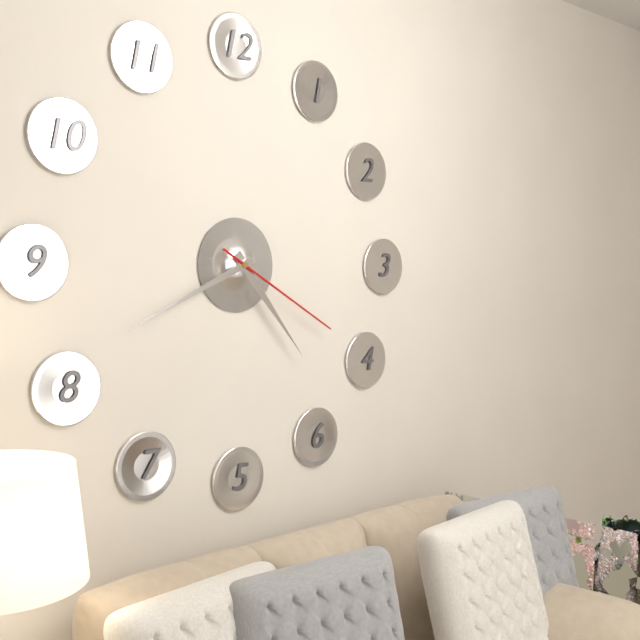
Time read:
4,41,20
